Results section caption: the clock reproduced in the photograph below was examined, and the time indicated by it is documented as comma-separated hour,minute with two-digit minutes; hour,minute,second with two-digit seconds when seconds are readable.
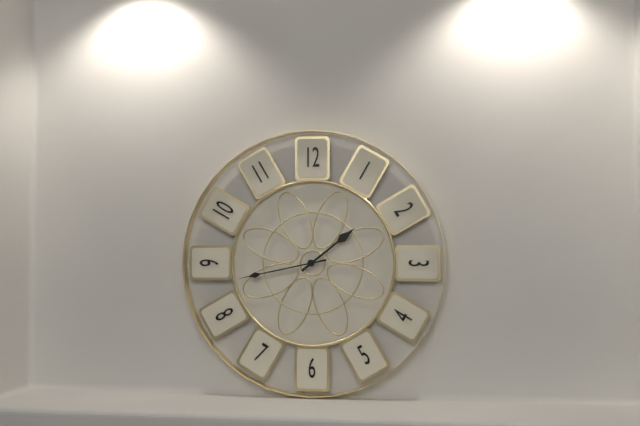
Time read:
1,43
